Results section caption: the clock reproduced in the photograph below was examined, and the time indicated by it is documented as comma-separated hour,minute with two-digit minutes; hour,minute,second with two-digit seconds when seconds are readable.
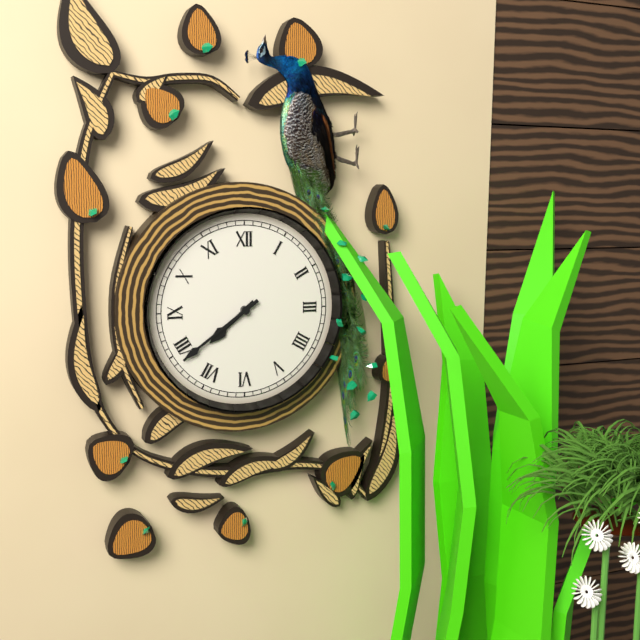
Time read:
7,39
